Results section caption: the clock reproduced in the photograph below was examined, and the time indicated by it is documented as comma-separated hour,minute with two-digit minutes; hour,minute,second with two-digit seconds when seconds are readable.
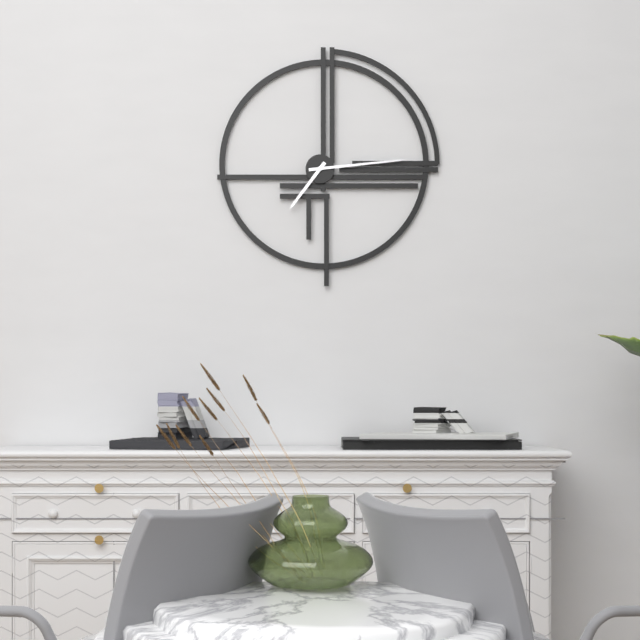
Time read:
7,14
